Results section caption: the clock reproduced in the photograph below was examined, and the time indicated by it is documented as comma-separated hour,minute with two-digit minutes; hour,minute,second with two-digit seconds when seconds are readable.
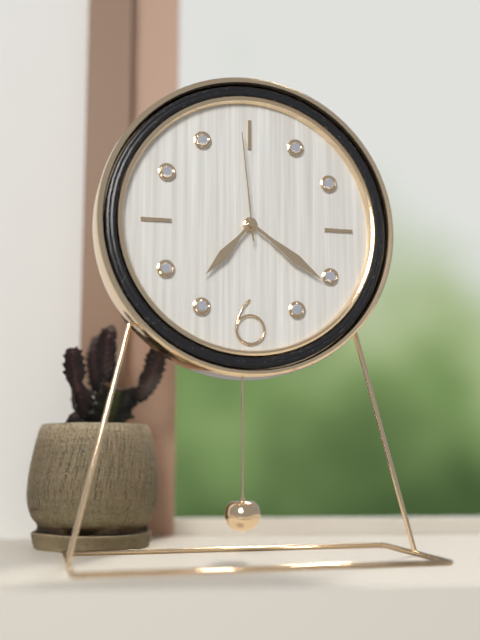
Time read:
7,21,59
